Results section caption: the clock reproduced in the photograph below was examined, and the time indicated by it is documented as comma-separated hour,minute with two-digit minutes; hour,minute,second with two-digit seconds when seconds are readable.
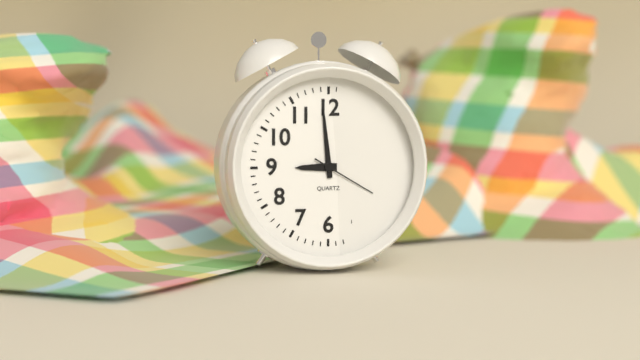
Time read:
8,59,20
